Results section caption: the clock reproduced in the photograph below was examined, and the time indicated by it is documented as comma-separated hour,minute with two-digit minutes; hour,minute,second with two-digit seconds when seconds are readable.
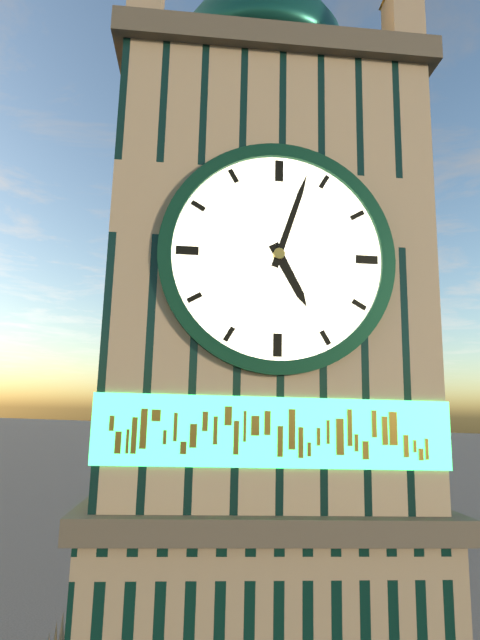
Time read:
5,03
